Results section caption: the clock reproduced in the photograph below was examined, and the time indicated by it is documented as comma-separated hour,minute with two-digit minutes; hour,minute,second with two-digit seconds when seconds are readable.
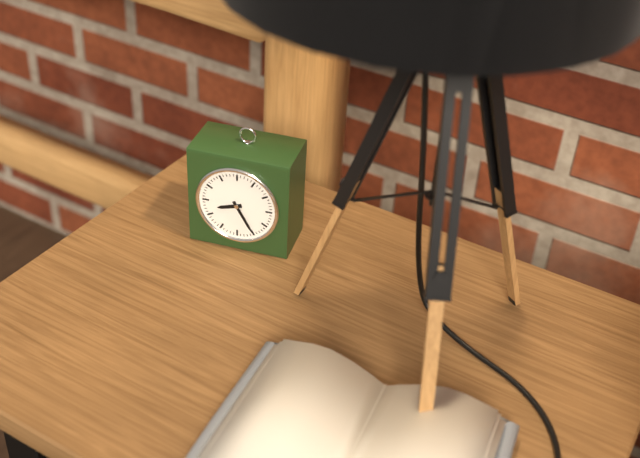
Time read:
8,25
